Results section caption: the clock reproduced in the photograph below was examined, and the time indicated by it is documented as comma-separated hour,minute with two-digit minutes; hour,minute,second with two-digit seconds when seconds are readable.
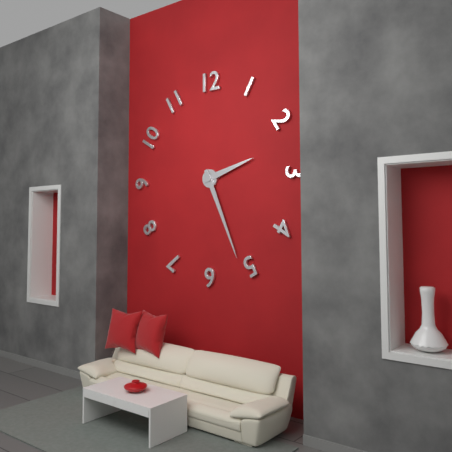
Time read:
2,26
